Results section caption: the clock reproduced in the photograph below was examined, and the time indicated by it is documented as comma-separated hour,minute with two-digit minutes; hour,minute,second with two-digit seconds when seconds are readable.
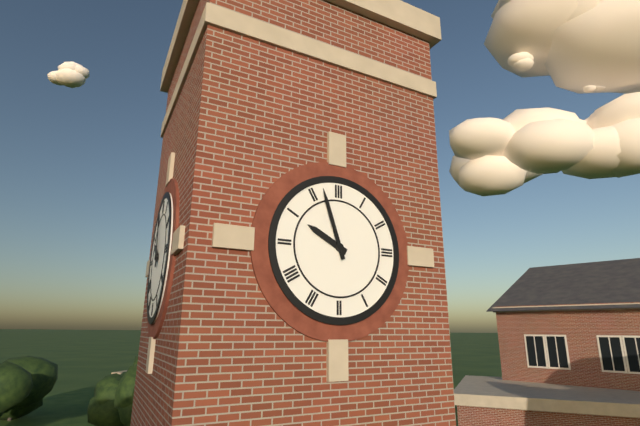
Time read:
9,57
